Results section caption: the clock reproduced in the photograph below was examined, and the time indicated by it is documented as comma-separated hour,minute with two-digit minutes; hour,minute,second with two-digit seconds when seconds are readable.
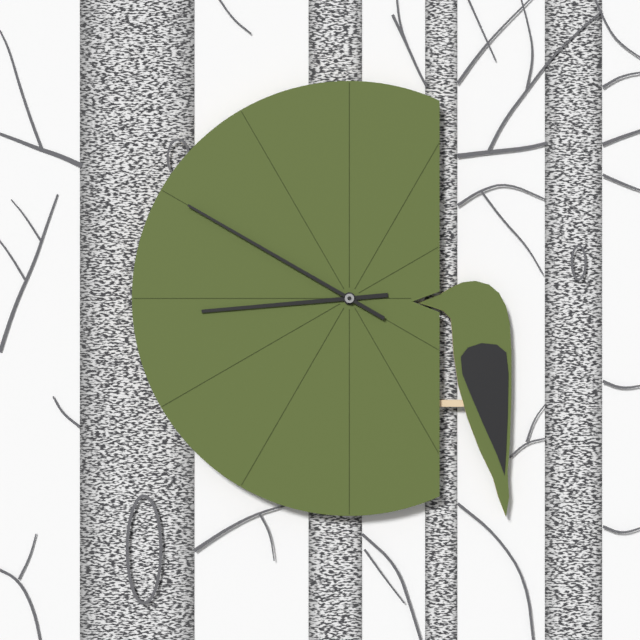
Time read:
8,50
